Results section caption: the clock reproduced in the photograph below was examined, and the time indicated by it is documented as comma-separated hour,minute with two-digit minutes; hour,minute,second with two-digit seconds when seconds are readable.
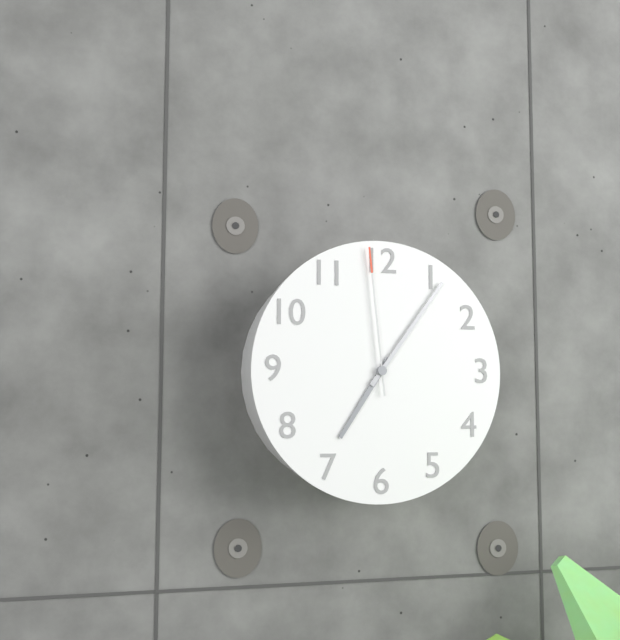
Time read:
7,06,59
